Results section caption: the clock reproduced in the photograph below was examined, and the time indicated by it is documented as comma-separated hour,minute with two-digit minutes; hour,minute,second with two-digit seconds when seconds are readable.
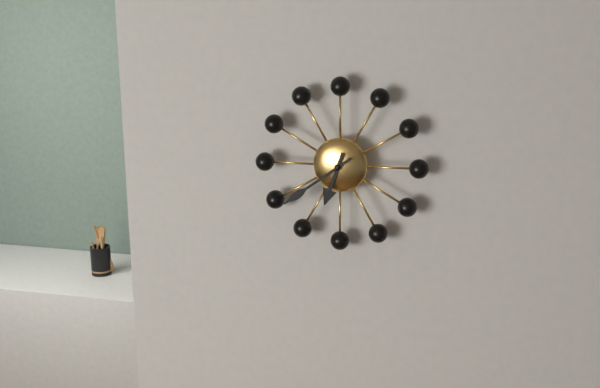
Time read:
6,39
